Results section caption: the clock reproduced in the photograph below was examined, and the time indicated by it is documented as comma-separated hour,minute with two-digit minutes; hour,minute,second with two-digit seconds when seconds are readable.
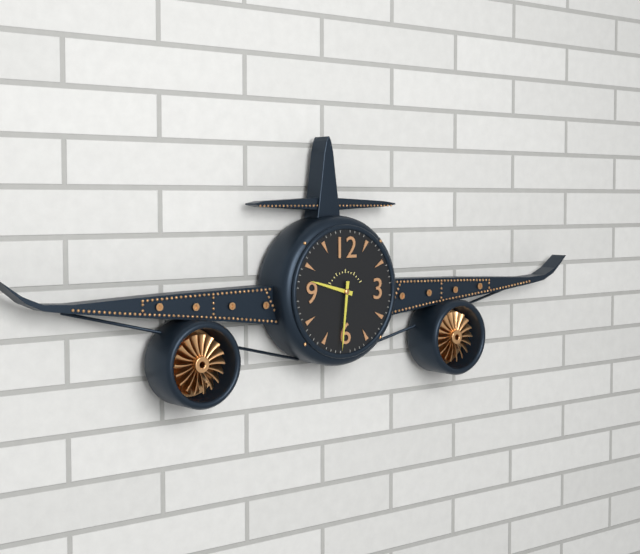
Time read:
9,31
